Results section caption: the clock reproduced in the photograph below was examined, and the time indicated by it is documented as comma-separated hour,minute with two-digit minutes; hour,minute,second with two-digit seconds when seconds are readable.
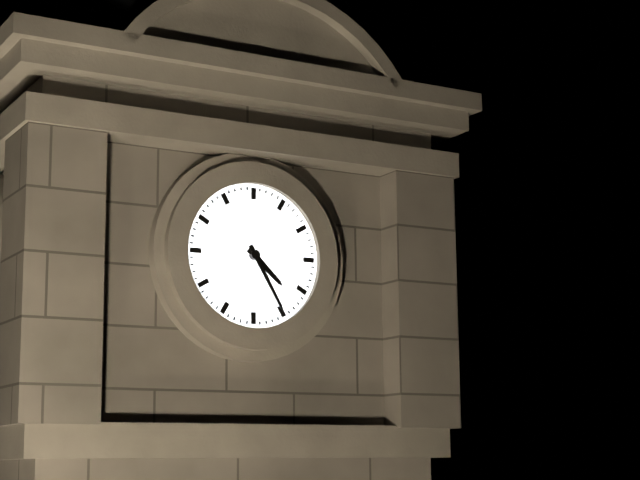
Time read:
4,25
